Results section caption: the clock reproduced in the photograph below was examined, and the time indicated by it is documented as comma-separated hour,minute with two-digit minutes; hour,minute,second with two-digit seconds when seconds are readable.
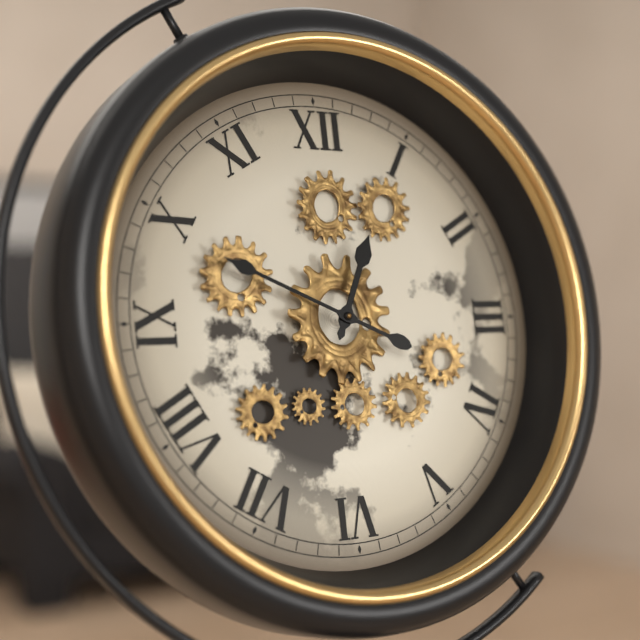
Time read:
12,49
